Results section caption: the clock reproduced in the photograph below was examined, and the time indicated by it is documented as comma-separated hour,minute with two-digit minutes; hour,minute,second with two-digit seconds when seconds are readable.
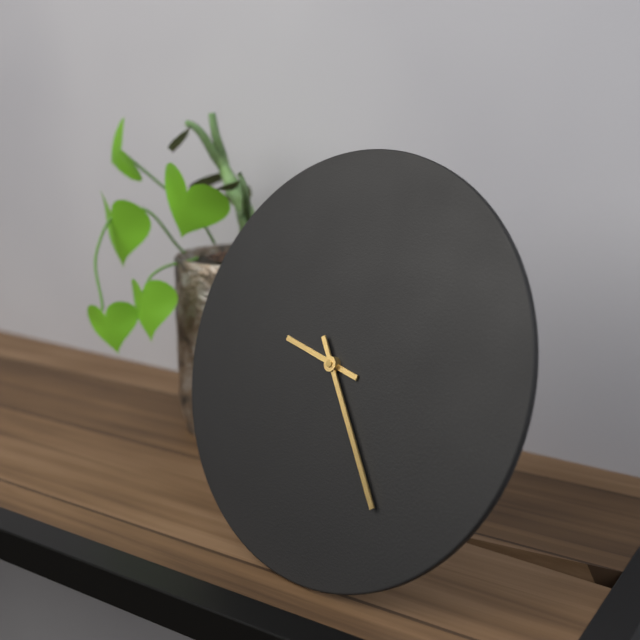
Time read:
9,24
